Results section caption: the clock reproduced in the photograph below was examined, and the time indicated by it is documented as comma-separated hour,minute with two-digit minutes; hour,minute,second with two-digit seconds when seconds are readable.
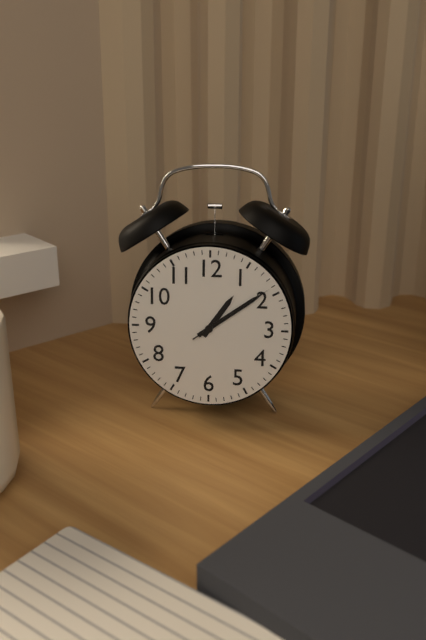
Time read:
1,09,09
